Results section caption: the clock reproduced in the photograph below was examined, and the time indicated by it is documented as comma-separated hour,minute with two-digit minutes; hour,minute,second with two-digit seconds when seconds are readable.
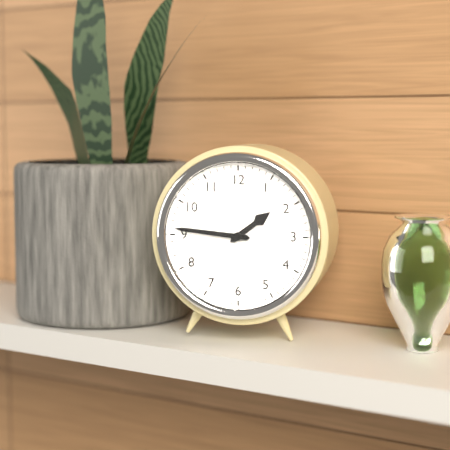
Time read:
1,46
